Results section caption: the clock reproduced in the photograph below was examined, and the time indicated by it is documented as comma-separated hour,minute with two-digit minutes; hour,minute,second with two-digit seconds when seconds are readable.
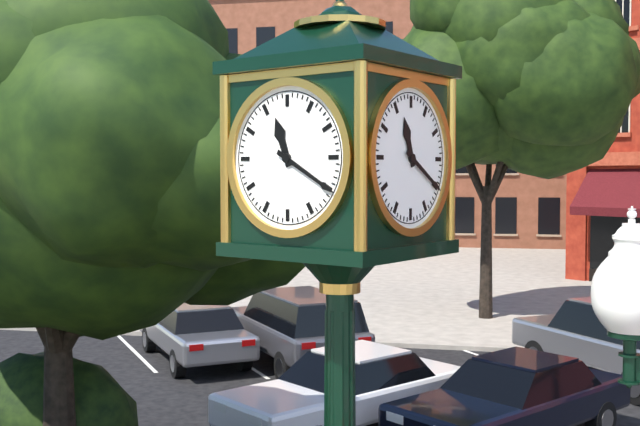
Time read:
11,20
